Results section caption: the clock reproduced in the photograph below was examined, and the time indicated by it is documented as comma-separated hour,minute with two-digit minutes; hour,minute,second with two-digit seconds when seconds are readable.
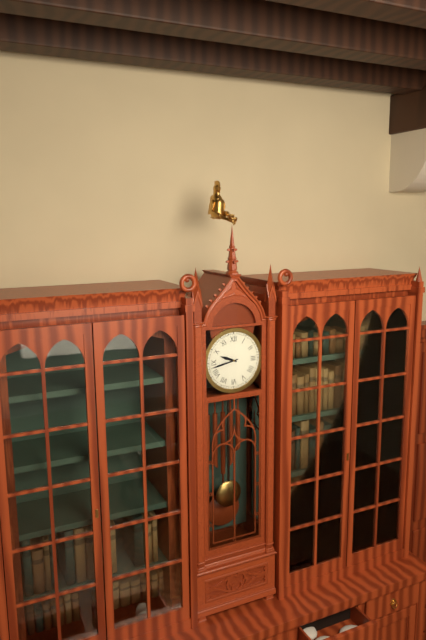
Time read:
9,43
